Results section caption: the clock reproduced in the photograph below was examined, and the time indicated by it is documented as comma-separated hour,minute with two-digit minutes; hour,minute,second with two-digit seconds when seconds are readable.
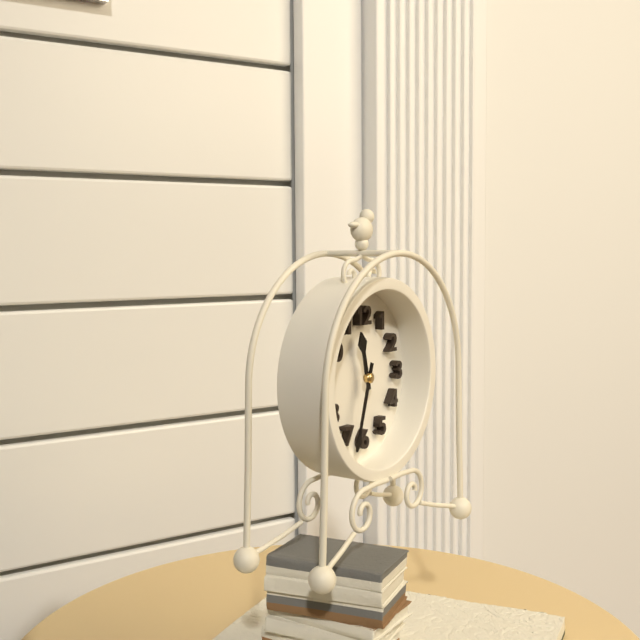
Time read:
11,33
